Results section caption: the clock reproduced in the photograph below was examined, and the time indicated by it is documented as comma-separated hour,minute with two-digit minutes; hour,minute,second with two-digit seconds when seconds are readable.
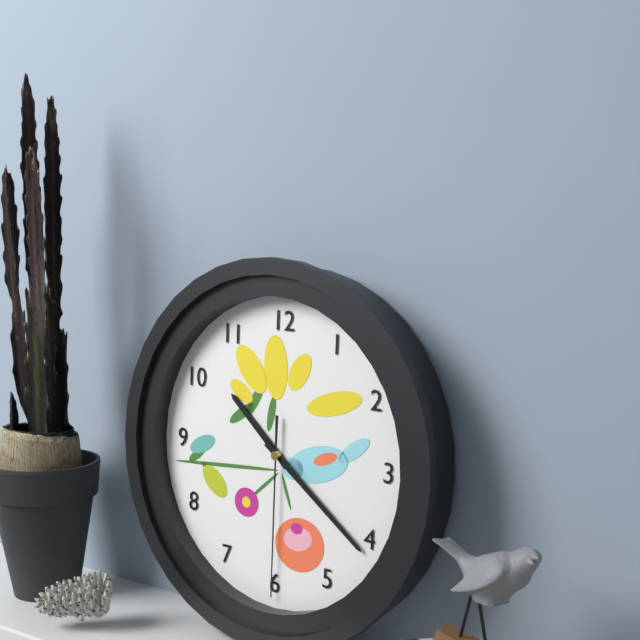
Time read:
10,21,30
